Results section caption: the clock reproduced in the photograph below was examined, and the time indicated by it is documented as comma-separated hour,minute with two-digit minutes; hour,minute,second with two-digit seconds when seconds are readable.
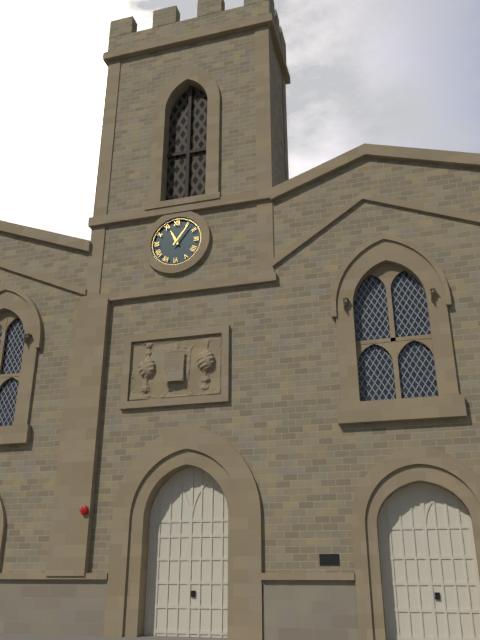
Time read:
11,06
